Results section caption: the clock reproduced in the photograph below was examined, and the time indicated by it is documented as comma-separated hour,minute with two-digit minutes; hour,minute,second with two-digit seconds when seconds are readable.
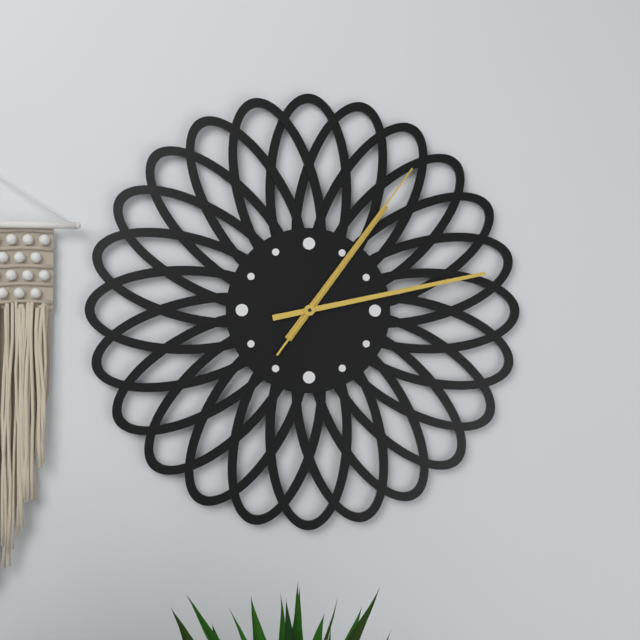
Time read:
1,13,06
